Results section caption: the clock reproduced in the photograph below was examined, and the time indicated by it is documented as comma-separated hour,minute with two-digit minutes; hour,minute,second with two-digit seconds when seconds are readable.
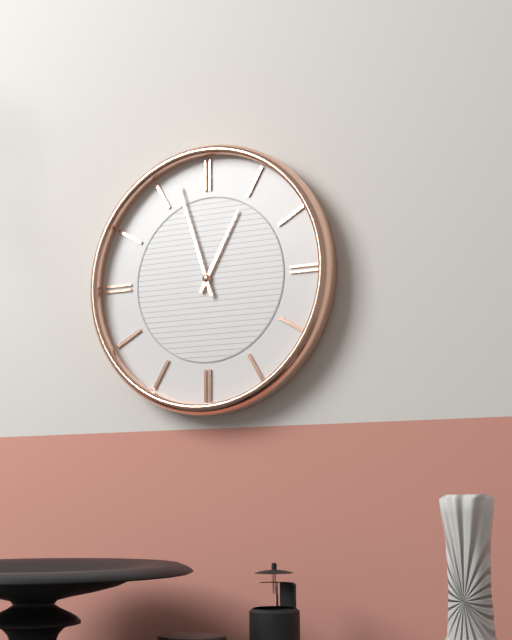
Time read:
12,57
